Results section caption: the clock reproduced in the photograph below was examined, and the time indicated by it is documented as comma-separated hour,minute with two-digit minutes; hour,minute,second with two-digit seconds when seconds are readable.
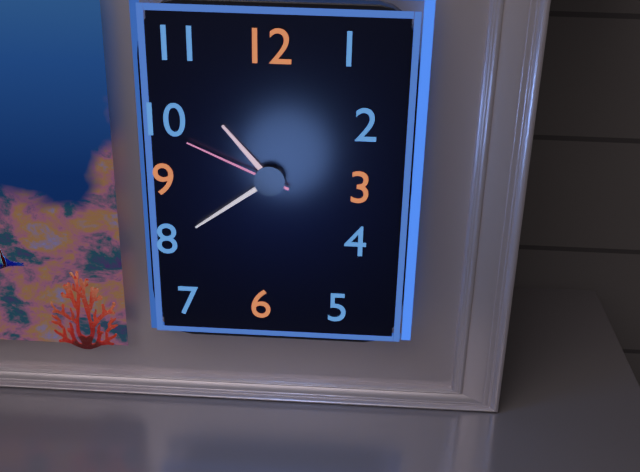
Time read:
10,39,49
